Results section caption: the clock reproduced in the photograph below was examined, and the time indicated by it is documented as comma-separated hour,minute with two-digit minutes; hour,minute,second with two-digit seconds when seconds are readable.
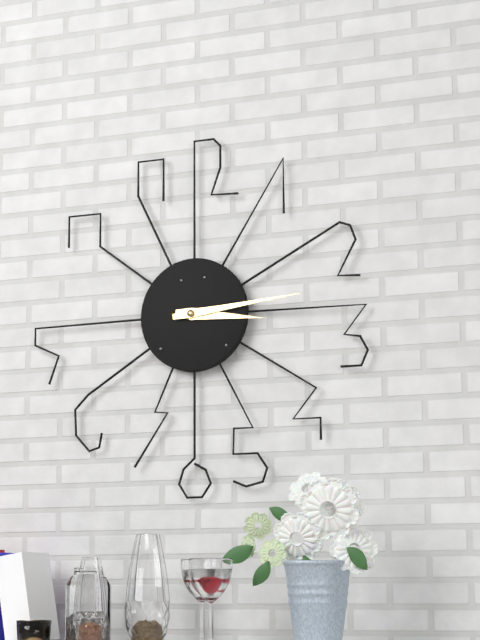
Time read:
3,14
